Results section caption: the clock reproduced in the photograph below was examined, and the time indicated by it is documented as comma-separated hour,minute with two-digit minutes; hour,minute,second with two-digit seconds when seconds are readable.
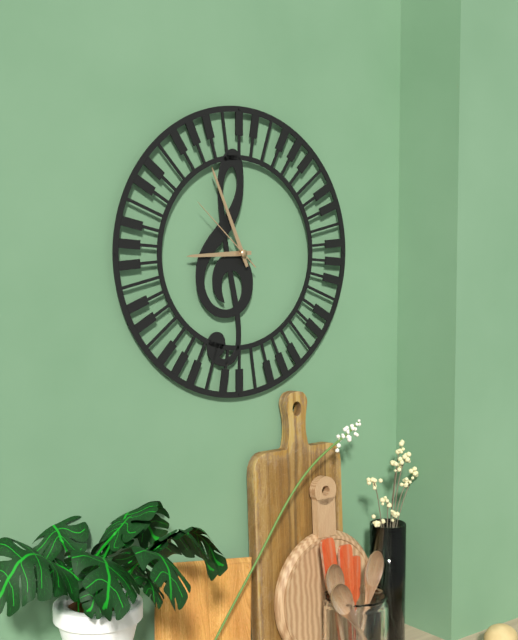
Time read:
8,56,52
